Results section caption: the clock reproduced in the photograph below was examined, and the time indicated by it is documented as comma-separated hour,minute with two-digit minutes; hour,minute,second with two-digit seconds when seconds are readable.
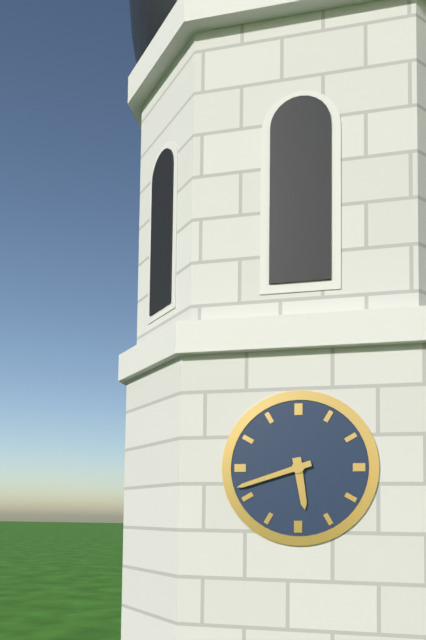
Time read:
5,42
